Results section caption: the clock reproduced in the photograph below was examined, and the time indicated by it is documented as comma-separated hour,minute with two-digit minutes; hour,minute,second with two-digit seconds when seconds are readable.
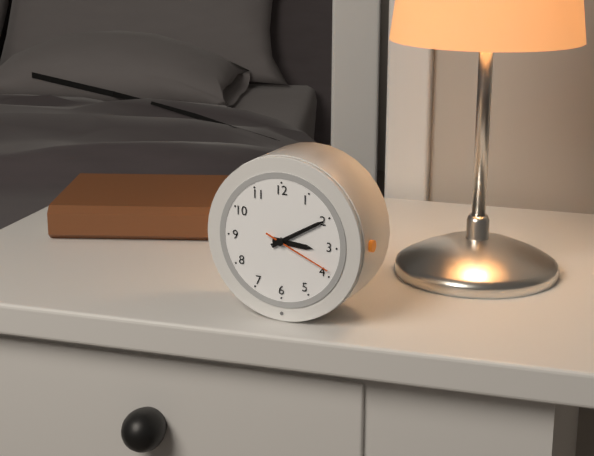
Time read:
3,10,19
